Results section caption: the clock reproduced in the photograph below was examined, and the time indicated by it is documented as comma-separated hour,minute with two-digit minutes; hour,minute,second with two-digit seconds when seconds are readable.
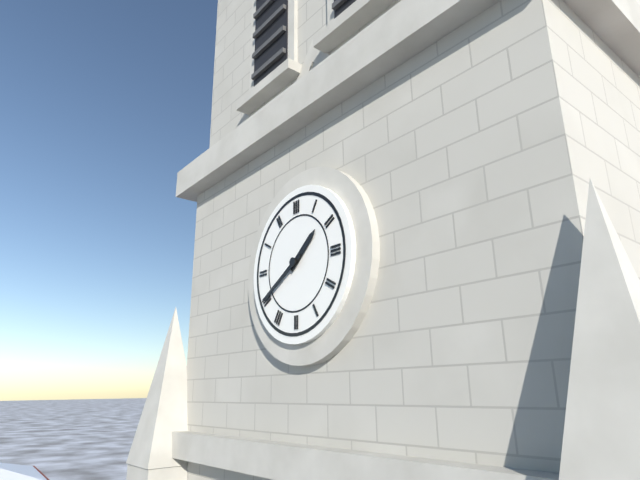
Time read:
1,40
